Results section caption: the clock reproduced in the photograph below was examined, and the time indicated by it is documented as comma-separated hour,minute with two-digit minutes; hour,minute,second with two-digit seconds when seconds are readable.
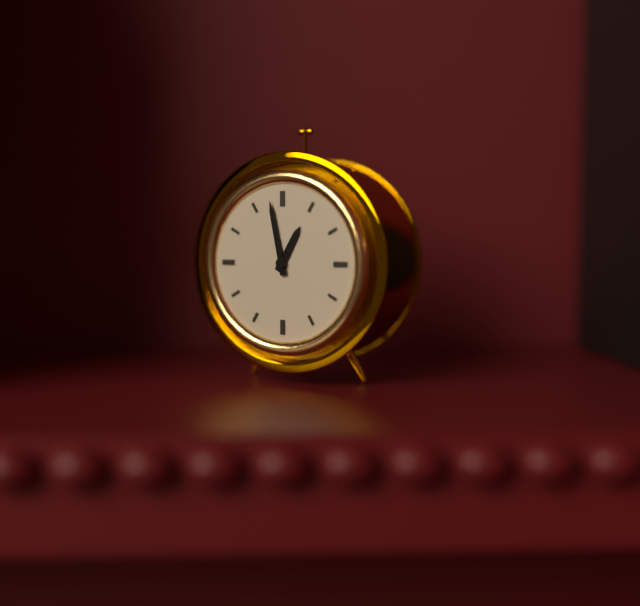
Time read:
12,58
